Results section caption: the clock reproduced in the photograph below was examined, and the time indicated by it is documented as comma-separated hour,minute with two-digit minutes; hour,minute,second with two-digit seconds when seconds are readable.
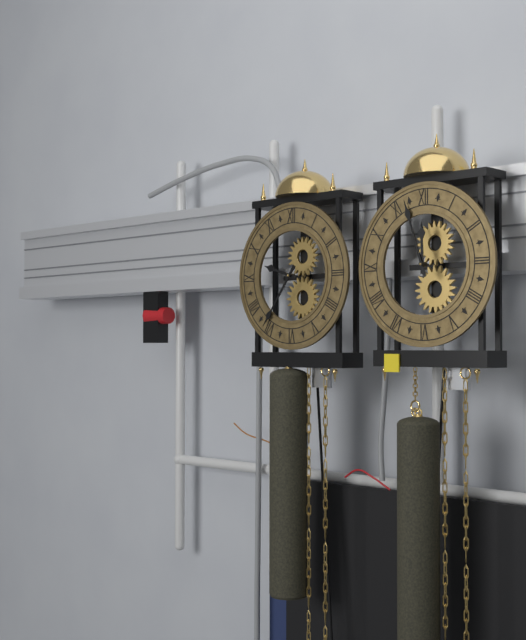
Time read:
9,36
